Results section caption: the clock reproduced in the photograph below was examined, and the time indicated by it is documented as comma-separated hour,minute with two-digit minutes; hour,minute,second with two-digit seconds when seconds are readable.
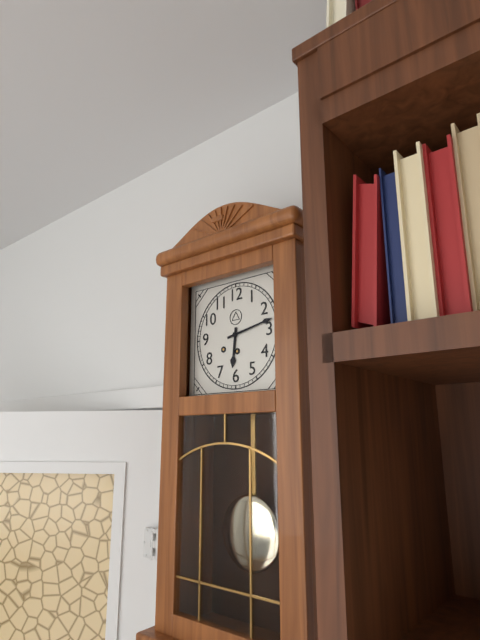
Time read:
6,13
